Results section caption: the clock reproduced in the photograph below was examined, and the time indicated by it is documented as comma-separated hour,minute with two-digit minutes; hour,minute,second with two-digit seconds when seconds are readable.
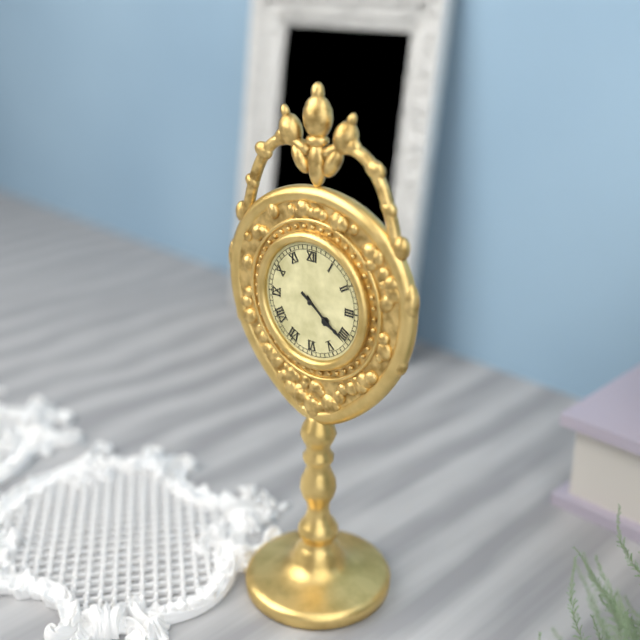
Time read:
4,21
